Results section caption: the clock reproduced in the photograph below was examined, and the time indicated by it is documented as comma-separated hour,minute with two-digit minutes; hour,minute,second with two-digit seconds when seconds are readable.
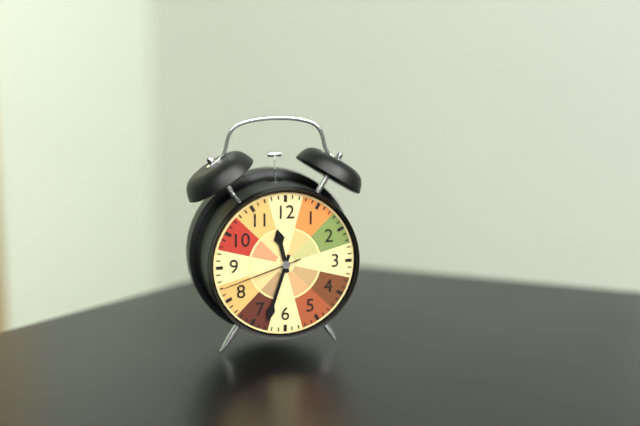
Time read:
11,33,42
